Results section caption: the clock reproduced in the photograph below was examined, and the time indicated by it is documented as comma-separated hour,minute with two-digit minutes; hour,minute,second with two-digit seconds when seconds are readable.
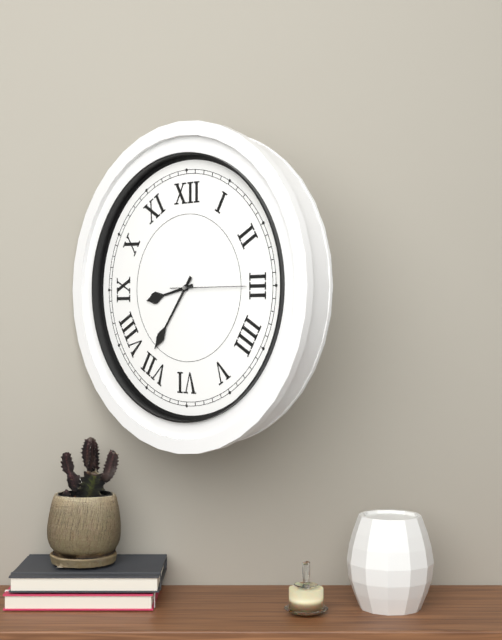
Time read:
8,36,15
